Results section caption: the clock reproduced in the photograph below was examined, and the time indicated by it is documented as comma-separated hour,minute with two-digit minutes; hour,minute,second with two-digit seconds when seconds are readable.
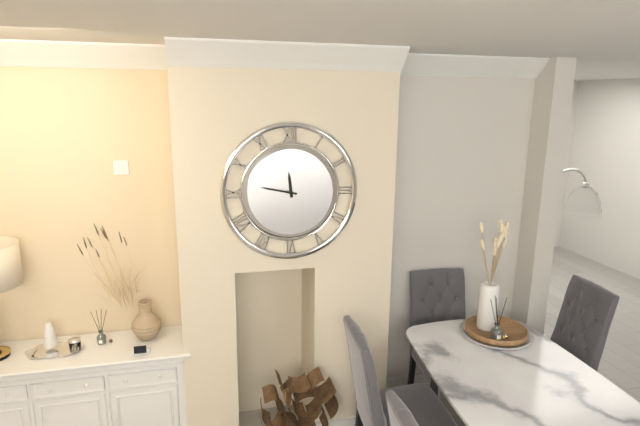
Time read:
11,47
